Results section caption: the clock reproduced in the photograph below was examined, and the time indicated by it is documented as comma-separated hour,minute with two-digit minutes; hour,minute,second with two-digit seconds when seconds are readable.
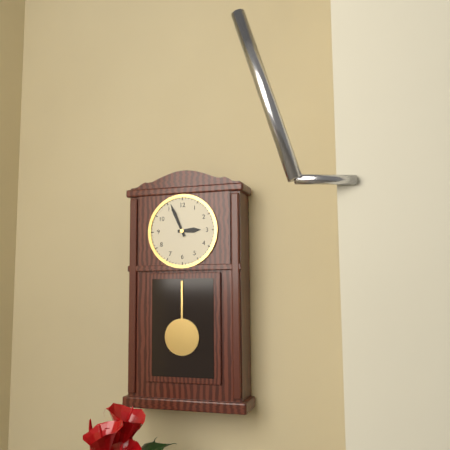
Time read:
2,56
